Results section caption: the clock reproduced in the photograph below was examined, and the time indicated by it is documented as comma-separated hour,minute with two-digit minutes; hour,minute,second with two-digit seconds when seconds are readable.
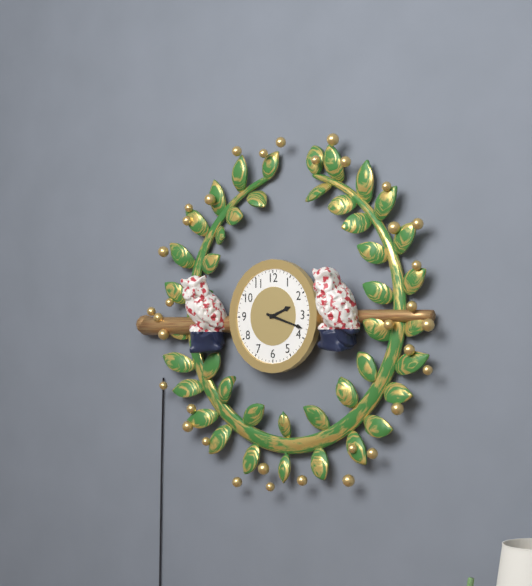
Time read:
2,18
